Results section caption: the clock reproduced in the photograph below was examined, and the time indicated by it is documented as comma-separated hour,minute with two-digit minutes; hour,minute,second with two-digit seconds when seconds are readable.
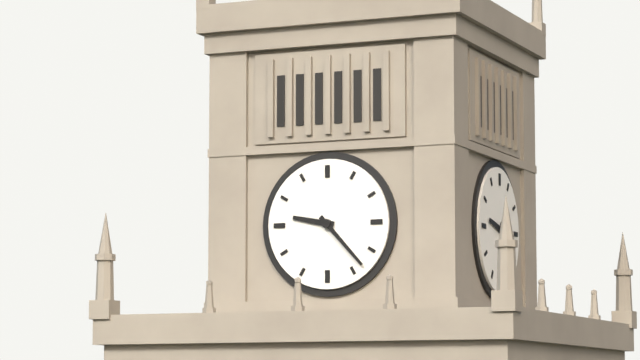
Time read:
9,23
